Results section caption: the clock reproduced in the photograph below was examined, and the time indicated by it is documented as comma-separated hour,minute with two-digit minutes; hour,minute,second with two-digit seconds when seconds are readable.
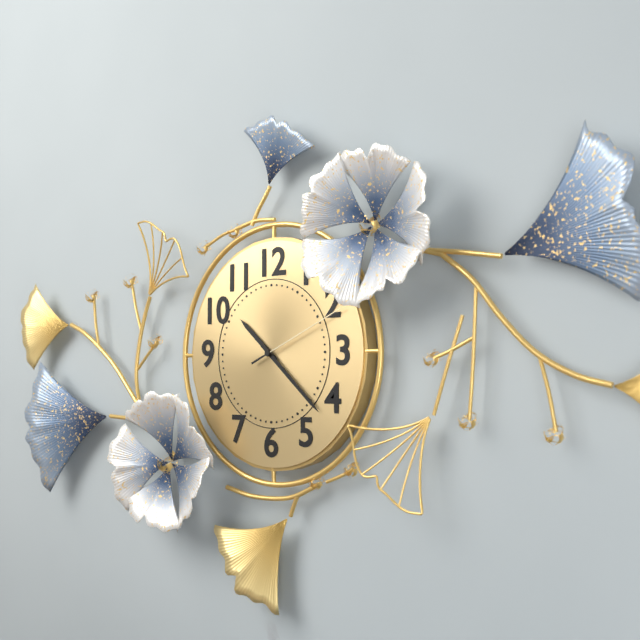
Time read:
10,22,11
